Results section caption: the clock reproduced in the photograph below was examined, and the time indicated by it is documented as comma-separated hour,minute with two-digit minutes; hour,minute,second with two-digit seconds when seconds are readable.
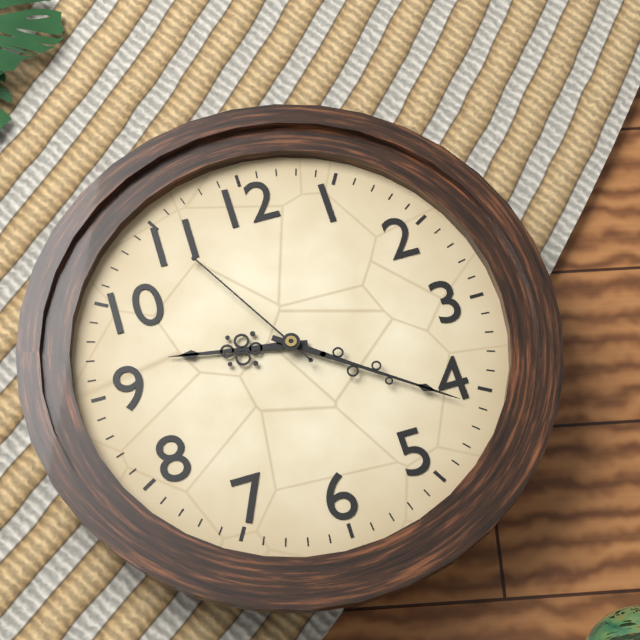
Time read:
9,21,55
